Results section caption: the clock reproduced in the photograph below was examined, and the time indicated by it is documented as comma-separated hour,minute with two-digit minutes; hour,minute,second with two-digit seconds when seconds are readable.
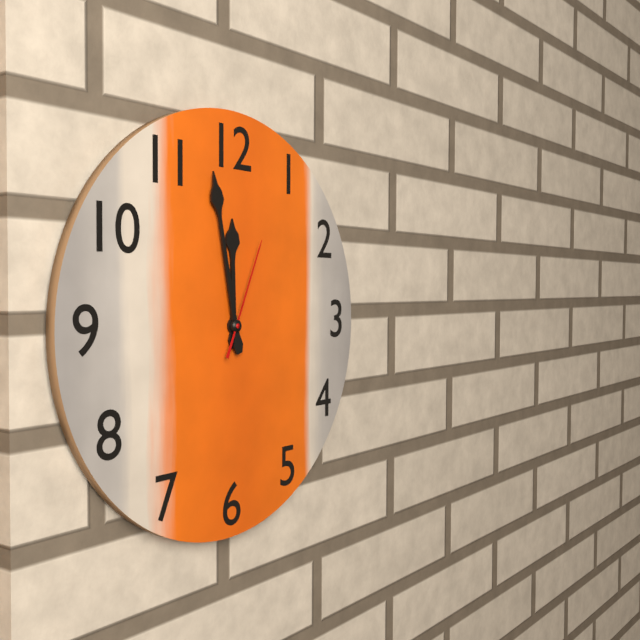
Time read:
11,58,04
